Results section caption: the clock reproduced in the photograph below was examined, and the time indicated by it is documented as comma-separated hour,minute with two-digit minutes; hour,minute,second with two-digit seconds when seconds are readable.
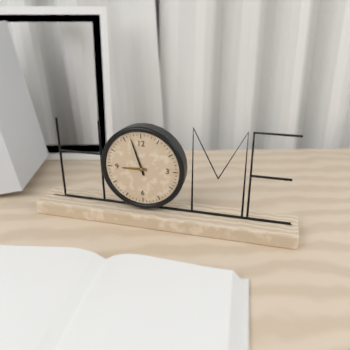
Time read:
8,57
